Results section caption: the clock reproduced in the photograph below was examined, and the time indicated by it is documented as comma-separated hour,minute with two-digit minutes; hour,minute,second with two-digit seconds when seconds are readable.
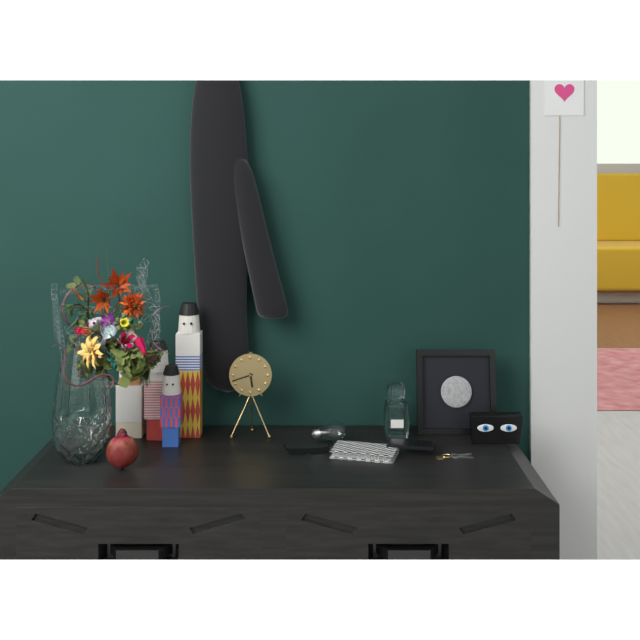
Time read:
5,42
